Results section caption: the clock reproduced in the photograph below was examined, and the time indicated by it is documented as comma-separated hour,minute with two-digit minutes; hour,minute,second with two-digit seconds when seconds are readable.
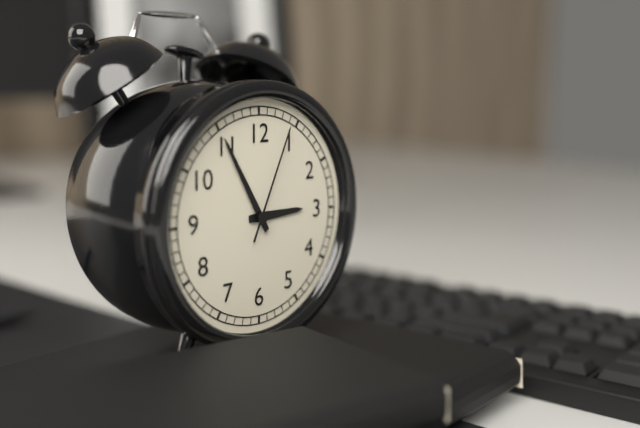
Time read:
2,55,04
